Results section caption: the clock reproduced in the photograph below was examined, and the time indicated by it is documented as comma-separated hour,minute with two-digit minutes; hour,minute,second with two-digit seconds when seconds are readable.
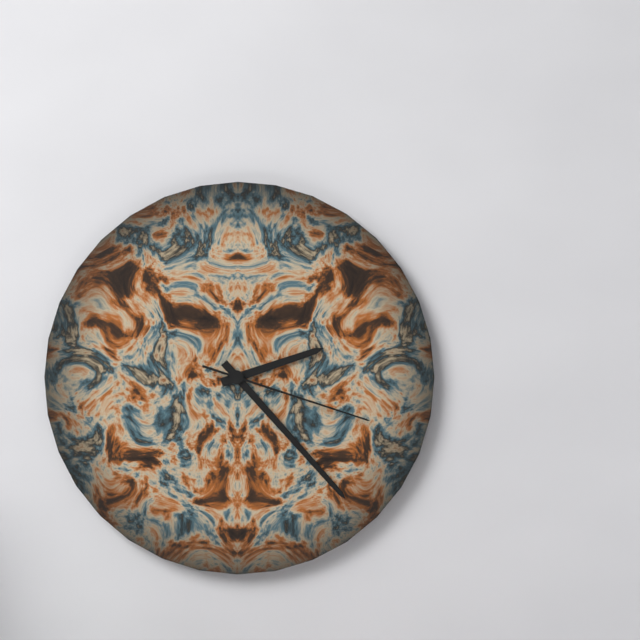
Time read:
2,23,18
